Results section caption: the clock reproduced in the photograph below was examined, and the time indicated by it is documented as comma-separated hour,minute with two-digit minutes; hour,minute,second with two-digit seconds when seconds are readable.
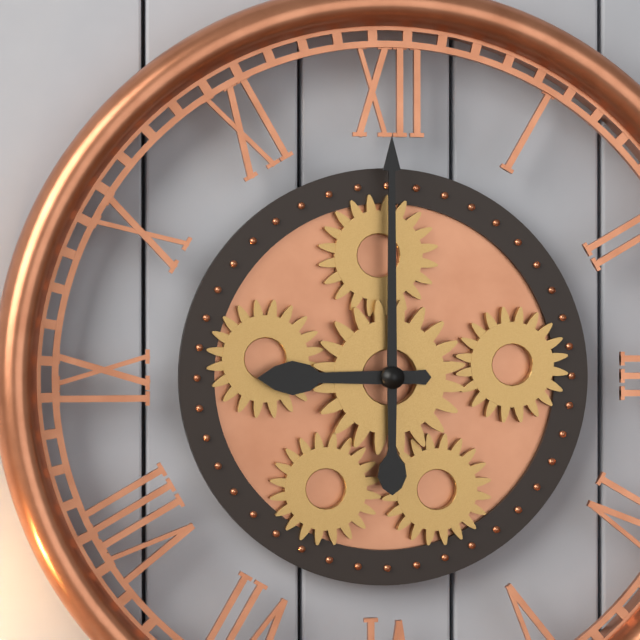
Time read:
9,00
